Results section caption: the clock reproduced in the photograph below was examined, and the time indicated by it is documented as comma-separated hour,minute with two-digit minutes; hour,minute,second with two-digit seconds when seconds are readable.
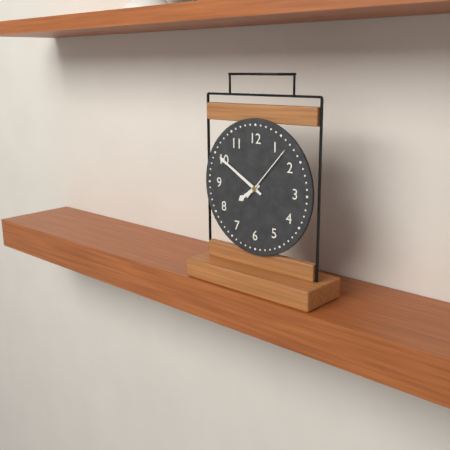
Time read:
7,50,07
